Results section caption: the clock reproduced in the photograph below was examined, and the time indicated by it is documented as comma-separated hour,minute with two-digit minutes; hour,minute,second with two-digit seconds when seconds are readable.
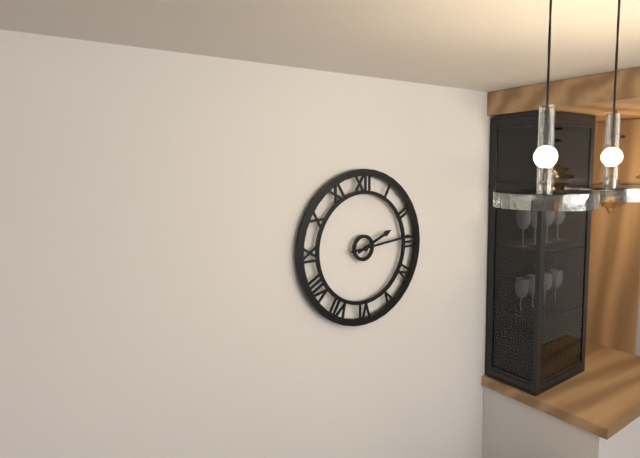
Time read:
2,14
